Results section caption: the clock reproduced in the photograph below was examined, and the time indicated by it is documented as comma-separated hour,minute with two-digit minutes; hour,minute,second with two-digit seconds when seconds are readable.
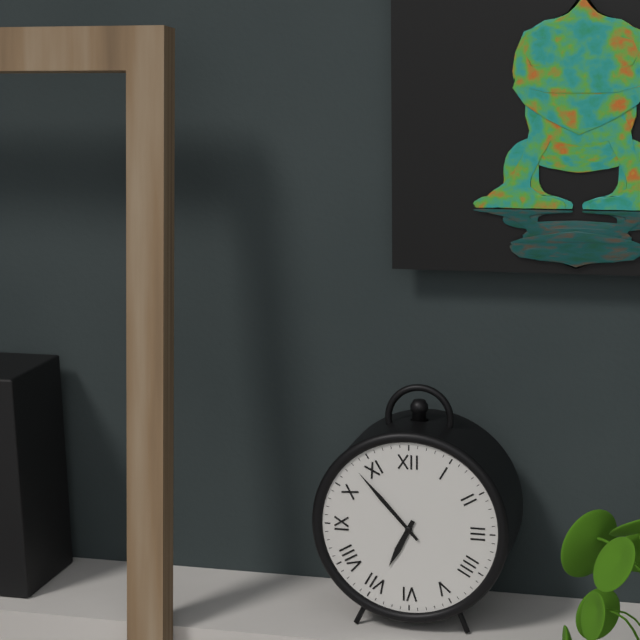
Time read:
6,53
